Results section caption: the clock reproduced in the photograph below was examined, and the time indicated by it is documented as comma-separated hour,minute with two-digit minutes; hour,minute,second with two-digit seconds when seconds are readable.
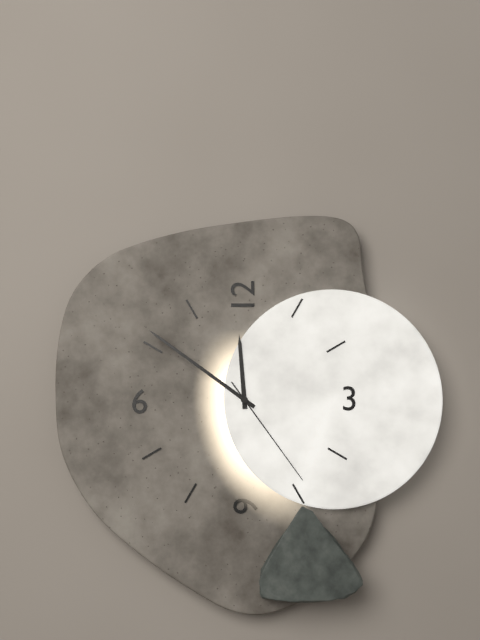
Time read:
11,51,24
